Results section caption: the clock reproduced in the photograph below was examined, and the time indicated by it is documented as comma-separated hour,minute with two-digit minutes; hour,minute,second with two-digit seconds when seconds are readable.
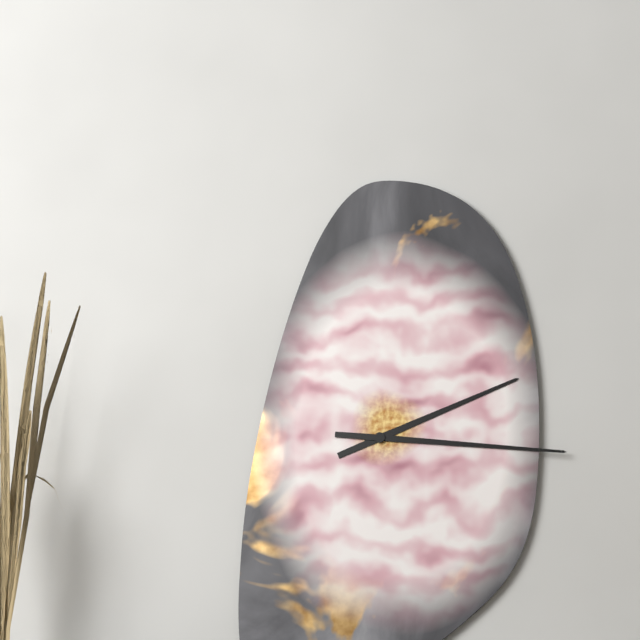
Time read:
2,16
